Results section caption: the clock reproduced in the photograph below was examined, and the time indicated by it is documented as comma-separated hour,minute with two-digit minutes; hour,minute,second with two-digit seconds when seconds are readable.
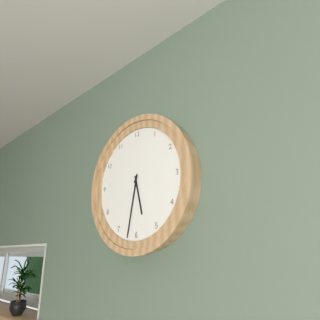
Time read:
5,32
